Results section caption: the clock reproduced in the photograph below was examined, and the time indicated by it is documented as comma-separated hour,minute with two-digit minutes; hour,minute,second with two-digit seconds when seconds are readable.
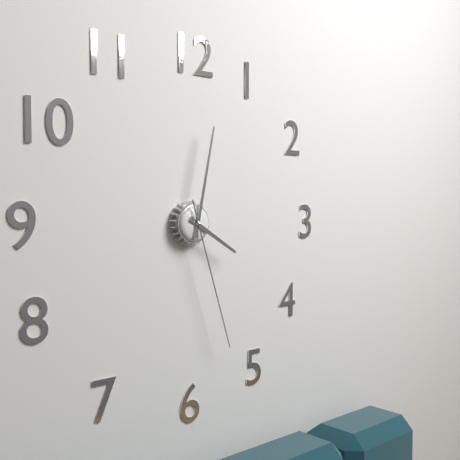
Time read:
4,02,27
